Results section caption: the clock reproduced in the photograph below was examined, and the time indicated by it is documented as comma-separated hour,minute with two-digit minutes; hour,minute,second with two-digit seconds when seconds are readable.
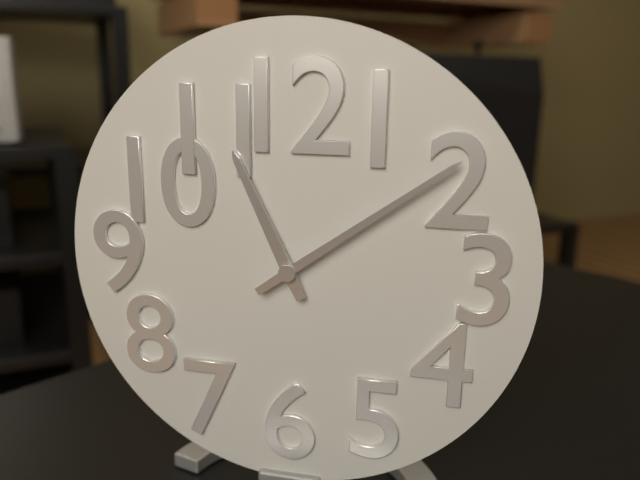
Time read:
11,09
